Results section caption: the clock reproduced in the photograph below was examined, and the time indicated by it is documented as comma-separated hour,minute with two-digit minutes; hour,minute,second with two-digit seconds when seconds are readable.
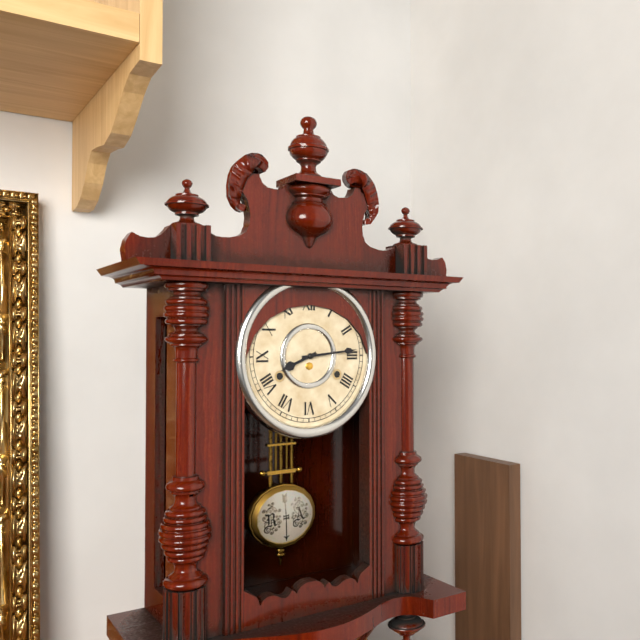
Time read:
8,14
